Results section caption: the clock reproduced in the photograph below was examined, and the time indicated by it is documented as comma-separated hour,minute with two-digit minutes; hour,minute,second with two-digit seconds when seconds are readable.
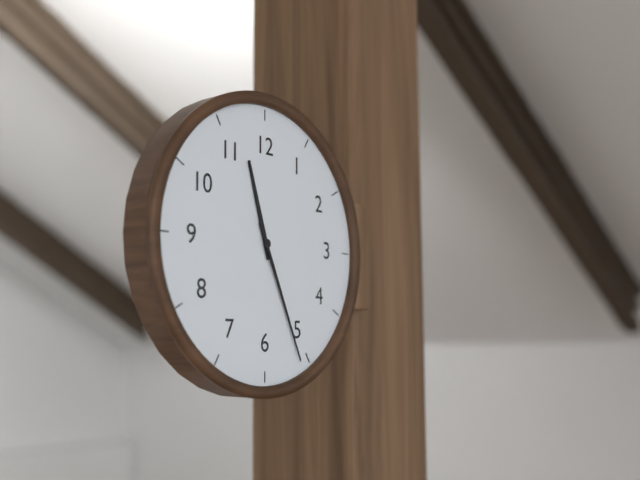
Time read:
11,26
